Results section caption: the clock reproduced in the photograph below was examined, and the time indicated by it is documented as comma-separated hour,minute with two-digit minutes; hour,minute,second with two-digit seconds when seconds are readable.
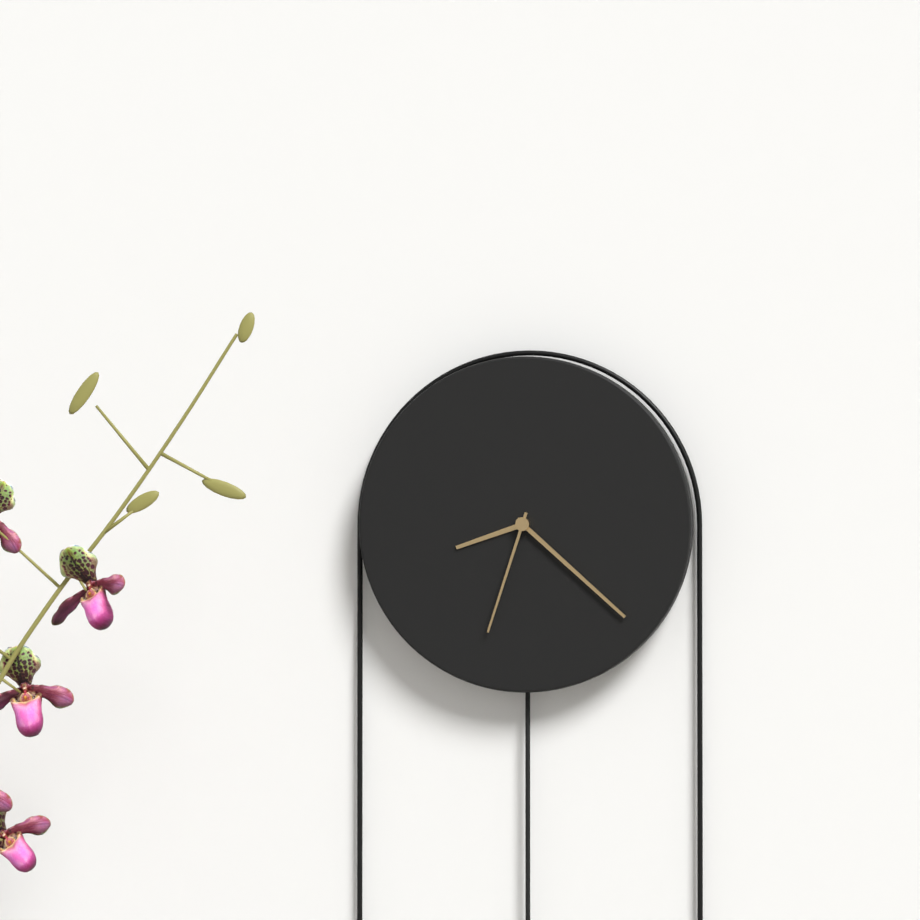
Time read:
8,22,33
